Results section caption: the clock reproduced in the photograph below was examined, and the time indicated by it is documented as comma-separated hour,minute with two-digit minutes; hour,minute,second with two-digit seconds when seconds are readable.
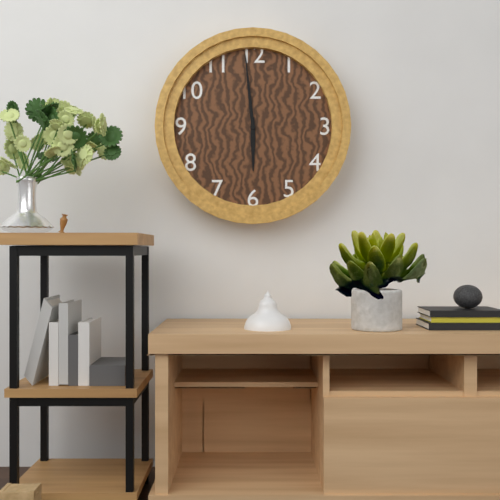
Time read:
5,59
